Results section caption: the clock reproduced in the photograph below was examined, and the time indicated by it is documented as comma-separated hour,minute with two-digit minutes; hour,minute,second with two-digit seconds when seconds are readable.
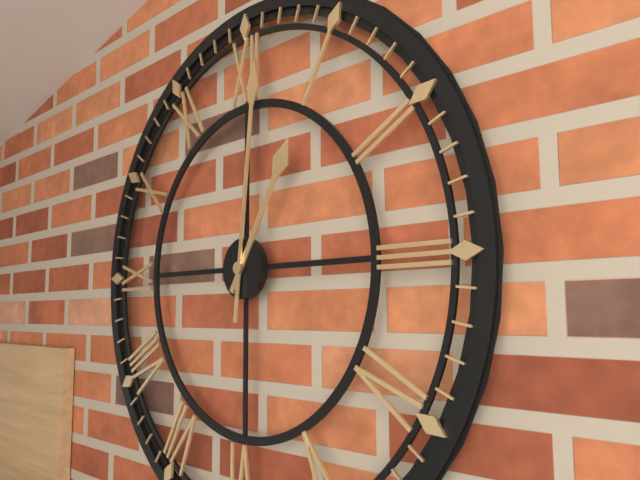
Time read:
1,01
